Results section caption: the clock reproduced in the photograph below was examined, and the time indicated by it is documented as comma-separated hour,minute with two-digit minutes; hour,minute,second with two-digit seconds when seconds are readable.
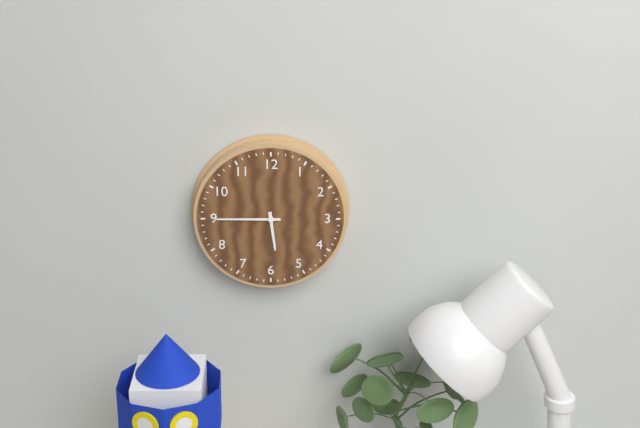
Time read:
5,45
